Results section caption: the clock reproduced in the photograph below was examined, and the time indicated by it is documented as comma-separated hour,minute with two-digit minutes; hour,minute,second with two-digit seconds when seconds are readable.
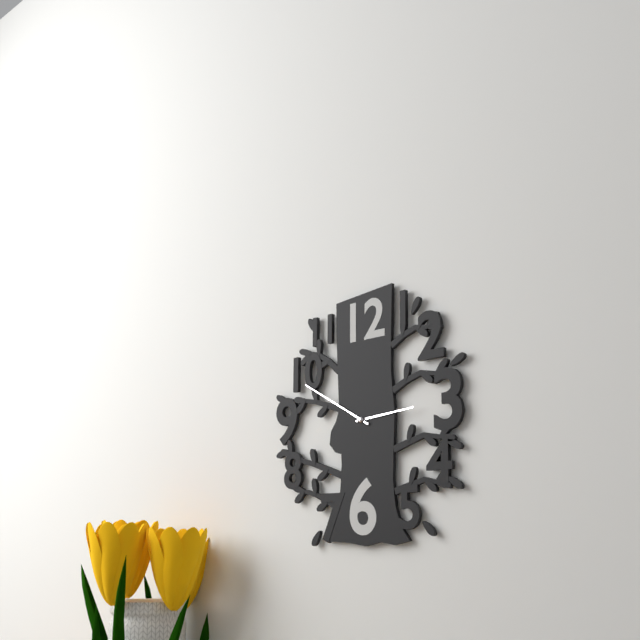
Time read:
2,50
